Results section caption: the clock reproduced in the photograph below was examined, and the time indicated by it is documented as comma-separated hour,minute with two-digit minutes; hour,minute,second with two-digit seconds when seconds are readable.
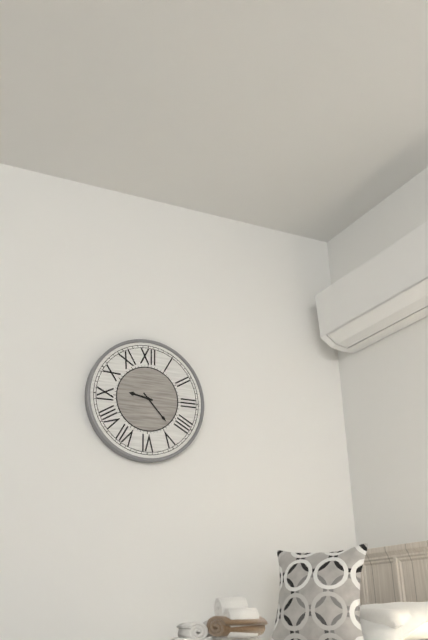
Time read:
9,23
